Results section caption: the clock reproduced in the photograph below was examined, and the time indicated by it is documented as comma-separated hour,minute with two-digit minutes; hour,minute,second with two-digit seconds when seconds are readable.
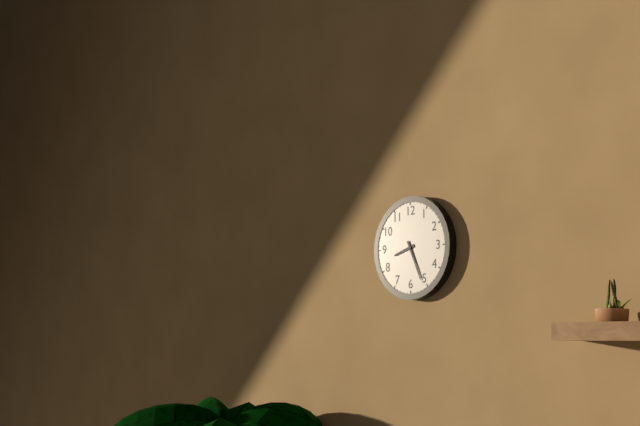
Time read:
8,26
